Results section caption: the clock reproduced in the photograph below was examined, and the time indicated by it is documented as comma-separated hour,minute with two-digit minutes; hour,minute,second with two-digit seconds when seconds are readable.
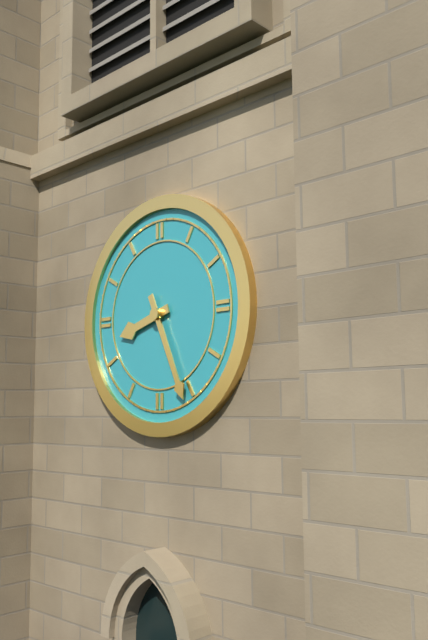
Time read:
8,26
